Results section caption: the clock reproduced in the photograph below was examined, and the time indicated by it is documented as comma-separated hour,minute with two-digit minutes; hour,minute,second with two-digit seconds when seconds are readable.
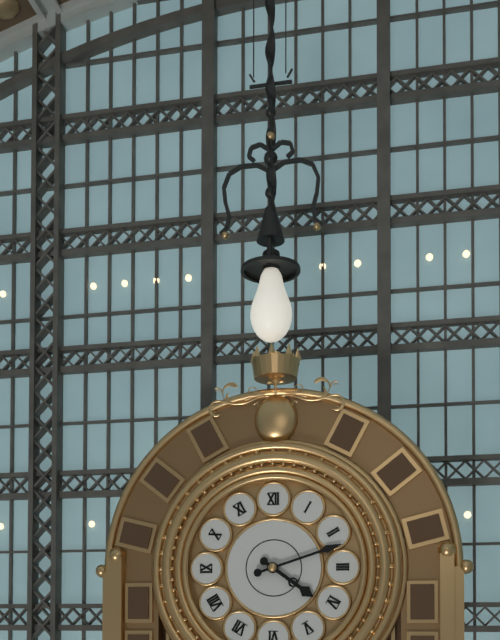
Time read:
4,12
